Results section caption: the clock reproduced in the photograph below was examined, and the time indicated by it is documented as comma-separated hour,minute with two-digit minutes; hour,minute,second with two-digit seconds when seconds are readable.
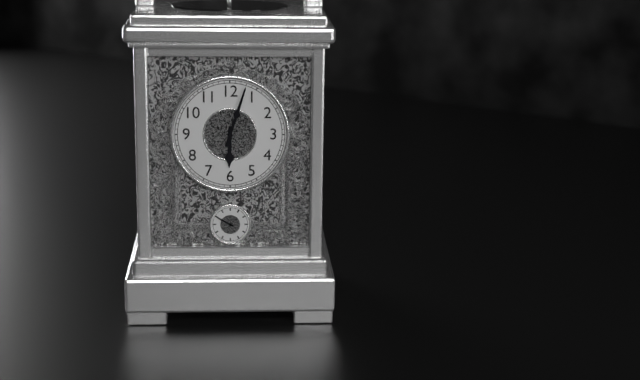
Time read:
6,03
